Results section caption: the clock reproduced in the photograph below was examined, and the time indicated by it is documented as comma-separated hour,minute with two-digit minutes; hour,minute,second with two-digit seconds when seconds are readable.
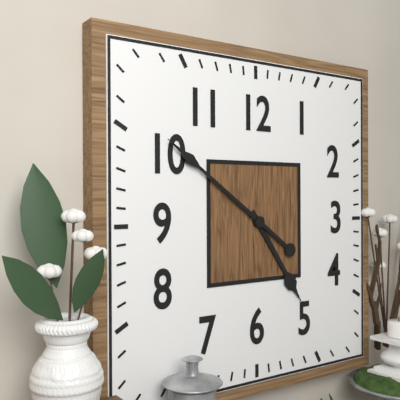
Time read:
4,51
